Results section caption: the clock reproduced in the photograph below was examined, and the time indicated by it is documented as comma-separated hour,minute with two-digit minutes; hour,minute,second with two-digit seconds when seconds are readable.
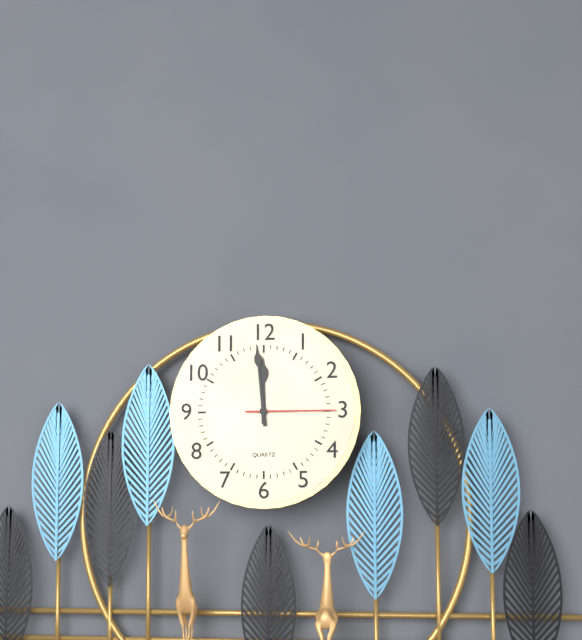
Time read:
11,59,15
